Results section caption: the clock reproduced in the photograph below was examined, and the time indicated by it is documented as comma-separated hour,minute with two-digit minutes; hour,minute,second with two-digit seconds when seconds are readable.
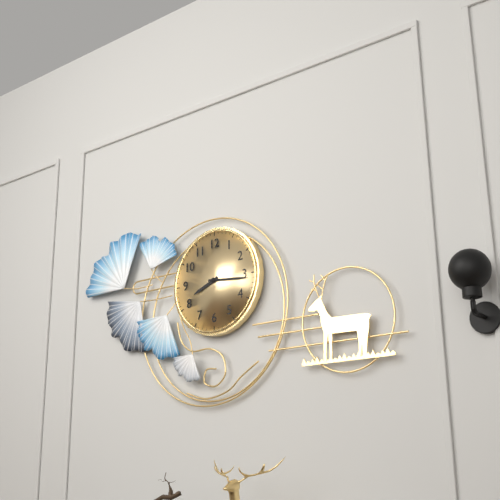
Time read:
8,16
